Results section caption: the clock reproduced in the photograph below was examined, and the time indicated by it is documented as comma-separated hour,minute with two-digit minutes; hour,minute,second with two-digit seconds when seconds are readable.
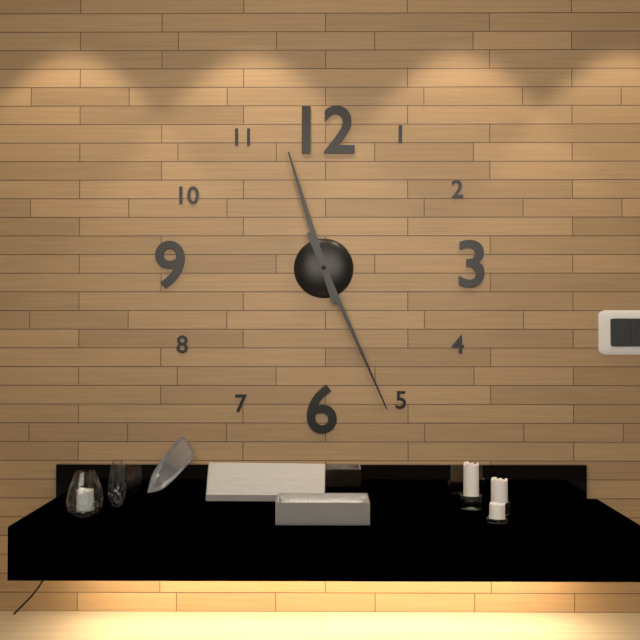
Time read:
11,26
